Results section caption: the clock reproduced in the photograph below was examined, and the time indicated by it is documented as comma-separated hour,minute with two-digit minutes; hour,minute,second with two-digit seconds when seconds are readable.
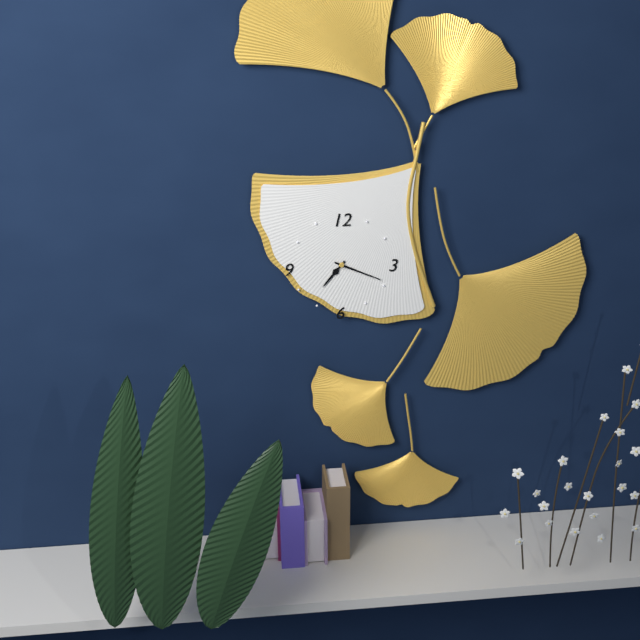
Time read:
7,19
